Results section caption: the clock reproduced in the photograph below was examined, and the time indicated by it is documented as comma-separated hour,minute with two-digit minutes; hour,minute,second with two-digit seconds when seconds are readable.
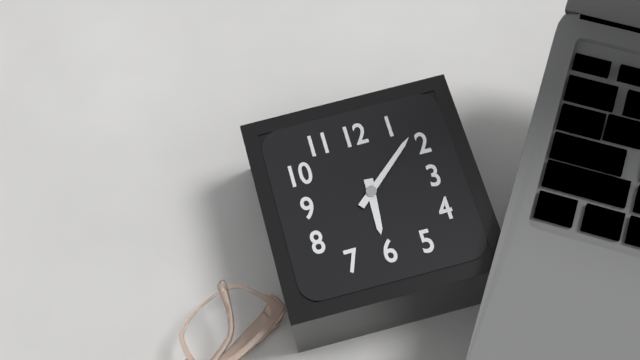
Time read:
6,08
